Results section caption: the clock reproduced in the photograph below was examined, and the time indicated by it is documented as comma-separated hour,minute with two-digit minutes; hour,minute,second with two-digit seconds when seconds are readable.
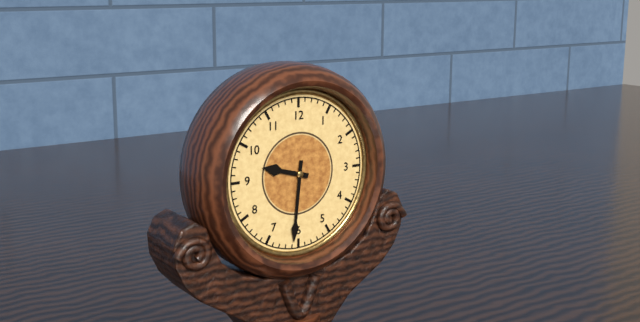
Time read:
9,31
